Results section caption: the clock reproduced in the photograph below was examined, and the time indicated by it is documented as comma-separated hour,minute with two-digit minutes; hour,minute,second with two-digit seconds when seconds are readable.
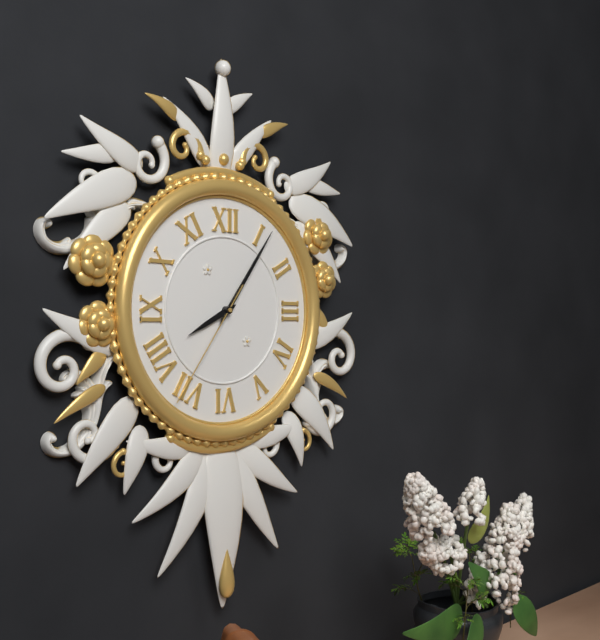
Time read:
8,06,36
